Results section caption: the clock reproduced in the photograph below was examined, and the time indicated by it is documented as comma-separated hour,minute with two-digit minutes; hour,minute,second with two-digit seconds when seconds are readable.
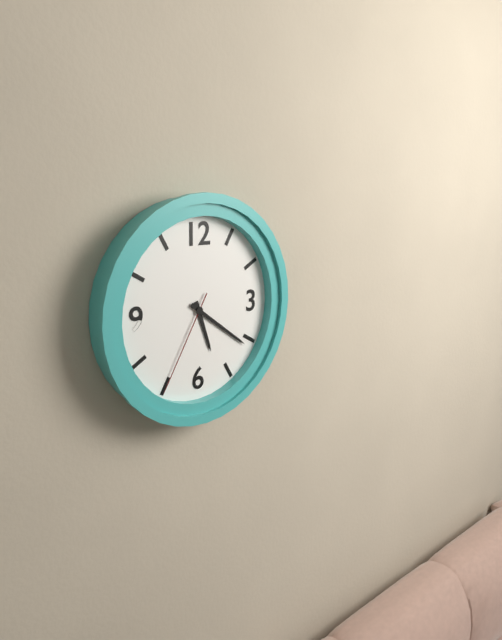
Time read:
5,21,35
